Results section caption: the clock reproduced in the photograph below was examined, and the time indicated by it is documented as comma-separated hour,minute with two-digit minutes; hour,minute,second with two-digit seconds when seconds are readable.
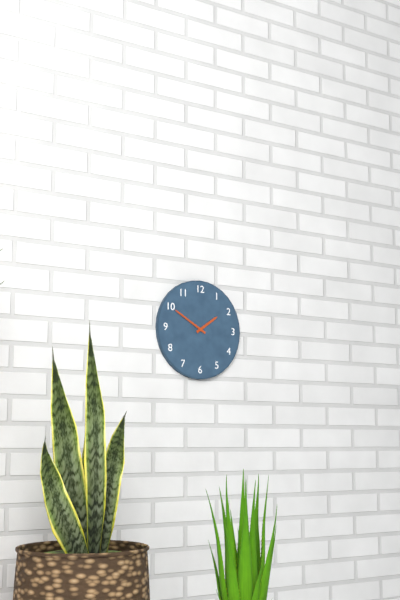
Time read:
1,50
